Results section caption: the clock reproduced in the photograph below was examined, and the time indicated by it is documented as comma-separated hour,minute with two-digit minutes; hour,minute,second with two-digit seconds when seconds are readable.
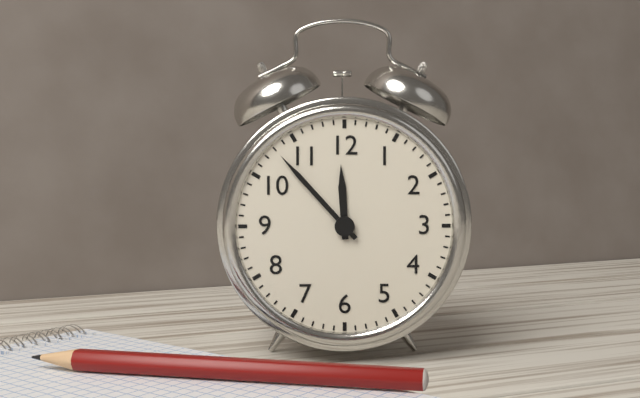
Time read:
11,53
